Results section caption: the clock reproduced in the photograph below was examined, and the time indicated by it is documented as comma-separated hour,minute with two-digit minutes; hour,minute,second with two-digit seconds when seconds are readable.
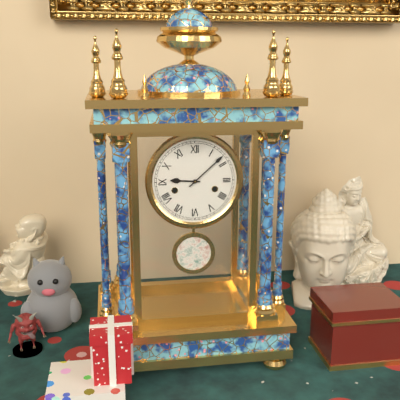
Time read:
9,08
